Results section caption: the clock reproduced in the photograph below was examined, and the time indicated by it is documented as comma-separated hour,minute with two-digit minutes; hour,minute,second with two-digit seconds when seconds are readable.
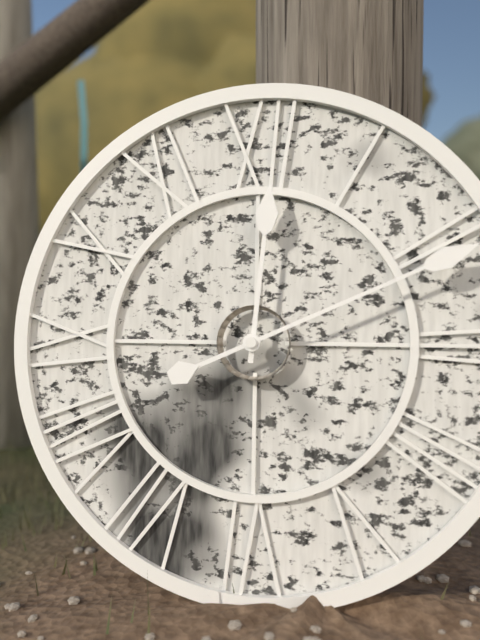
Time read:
12,11
